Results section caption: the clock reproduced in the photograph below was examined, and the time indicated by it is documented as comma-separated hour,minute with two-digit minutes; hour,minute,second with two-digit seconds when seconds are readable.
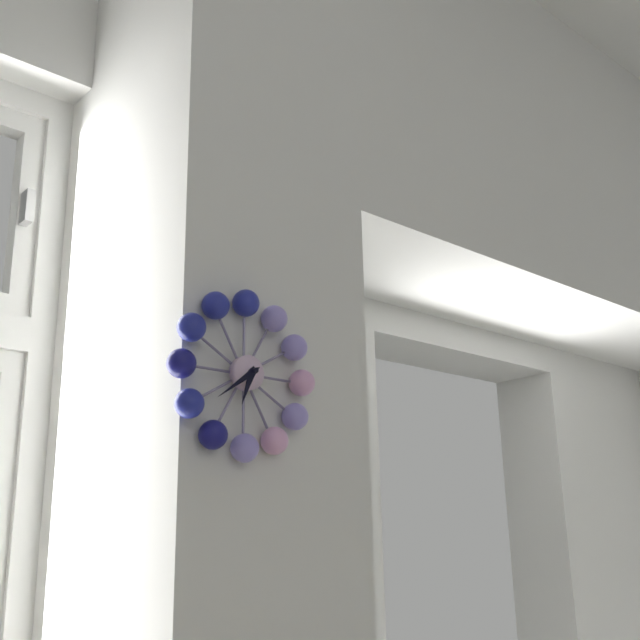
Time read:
6,39
